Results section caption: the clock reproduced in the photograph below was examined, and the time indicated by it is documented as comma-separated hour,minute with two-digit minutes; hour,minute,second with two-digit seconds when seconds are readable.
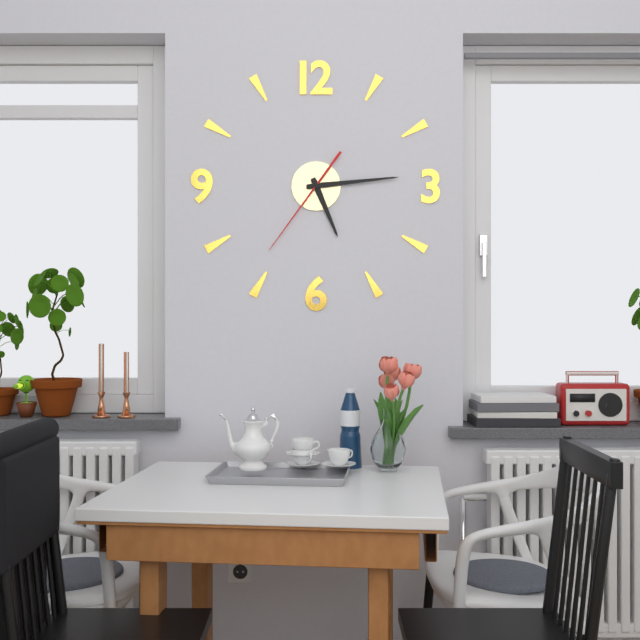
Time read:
5,14,36
